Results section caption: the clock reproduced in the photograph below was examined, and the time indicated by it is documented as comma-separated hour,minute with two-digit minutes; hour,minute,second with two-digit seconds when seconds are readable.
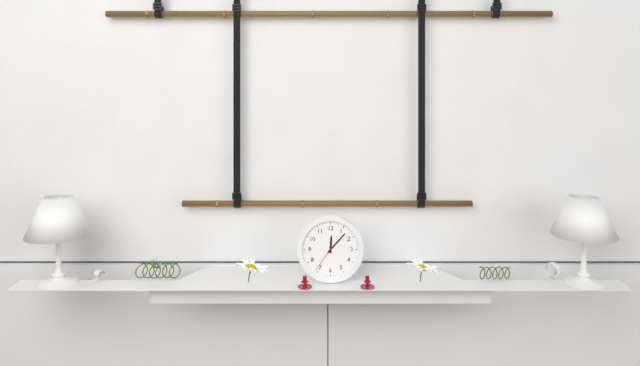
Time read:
12,07
